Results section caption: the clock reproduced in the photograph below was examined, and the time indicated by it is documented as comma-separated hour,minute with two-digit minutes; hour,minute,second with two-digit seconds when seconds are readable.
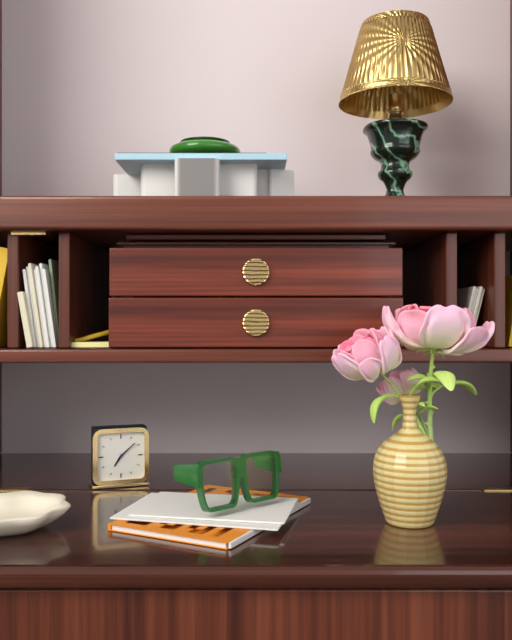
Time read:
7,08
